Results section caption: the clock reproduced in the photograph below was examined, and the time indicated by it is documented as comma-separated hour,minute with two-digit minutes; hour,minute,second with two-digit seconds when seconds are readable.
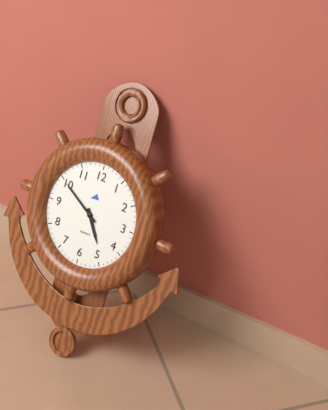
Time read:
4,50
